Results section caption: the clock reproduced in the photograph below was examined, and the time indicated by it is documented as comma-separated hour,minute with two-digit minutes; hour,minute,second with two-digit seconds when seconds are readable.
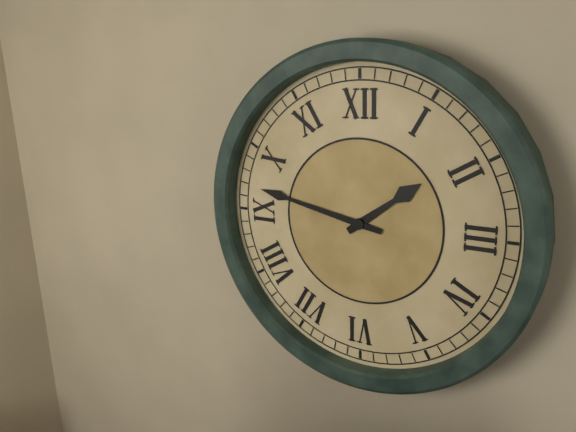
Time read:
1,47
